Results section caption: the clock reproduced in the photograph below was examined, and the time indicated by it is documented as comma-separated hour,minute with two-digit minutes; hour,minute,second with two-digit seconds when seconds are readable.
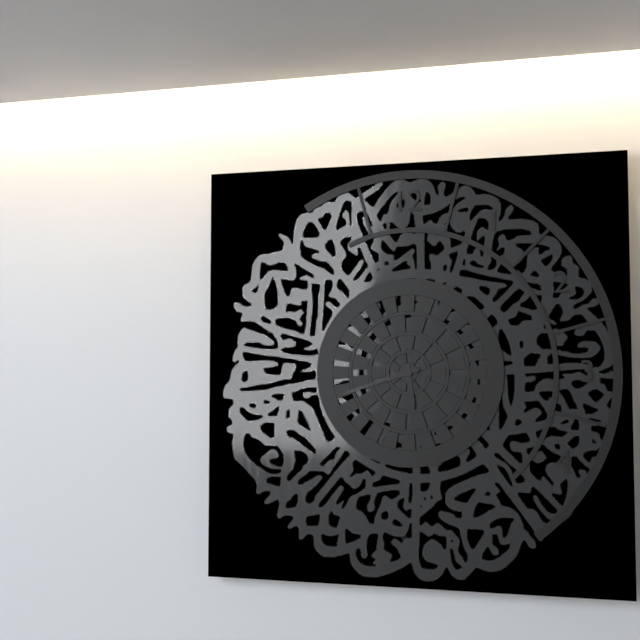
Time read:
5,42
